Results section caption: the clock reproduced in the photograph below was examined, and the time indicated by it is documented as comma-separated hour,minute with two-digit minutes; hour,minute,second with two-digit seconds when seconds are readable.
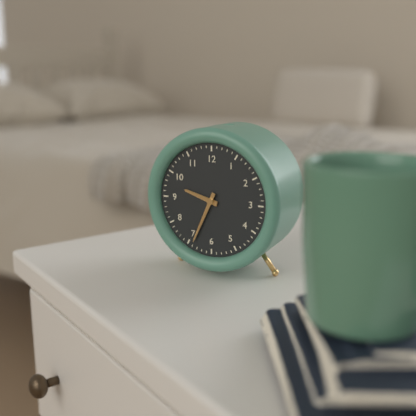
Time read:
9,34
